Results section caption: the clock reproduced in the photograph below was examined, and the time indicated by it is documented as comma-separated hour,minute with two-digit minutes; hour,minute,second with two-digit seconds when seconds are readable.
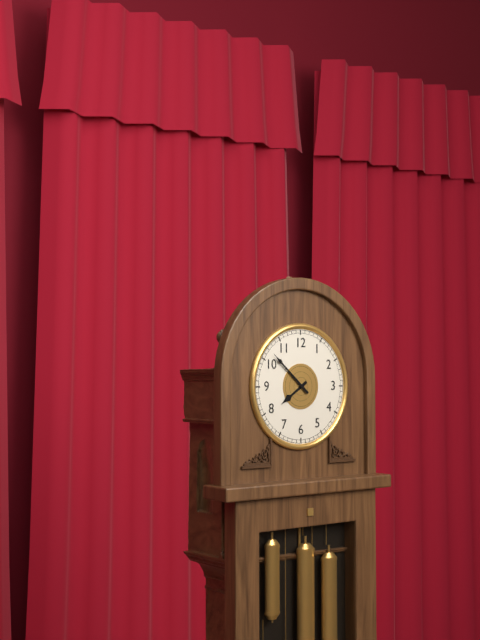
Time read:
7,52
